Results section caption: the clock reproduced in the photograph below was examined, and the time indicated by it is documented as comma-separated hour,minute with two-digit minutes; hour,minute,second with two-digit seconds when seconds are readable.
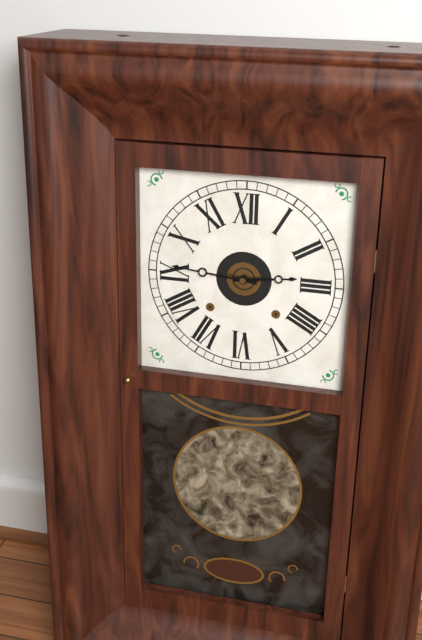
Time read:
2,46
